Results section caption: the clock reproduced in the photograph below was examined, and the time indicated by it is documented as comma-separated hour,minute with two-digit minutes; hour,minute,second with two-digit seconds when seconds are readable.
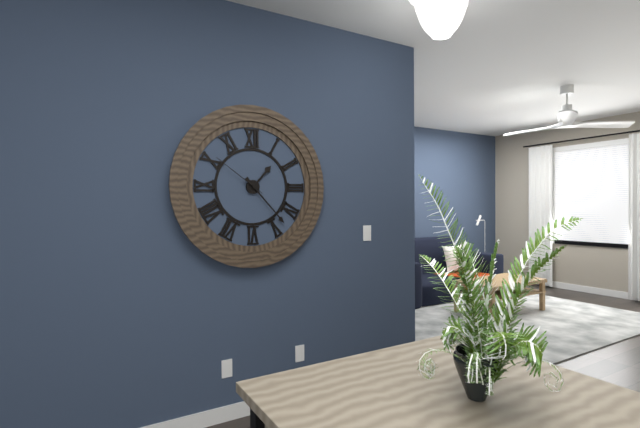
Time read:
1,23,51
